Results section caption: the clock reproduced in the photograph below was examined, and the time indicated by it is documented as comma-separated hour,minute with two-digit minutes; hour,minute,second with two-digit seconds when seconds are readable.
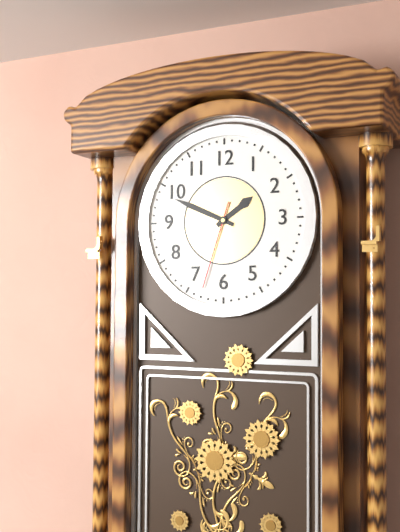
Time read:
1,49,33
